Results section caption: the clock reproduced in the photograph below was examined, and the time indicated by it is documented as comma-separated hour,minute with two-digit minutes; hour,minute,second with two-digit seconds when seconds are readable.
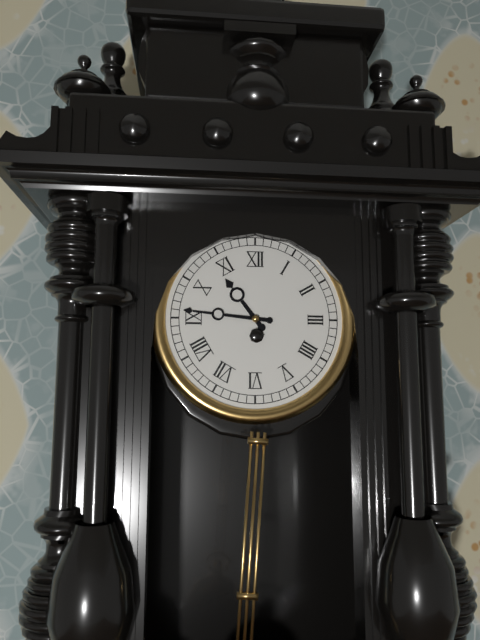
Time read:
10,46
